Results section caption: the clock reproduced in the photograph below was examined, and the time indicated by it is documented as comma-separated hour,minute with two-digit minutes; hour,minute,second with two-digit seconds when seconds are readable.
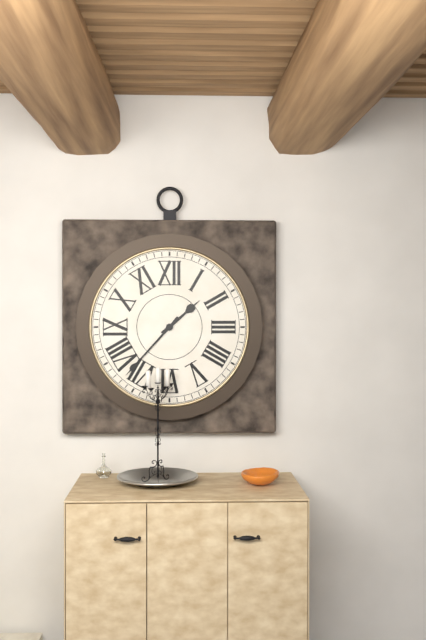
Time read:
1,37
